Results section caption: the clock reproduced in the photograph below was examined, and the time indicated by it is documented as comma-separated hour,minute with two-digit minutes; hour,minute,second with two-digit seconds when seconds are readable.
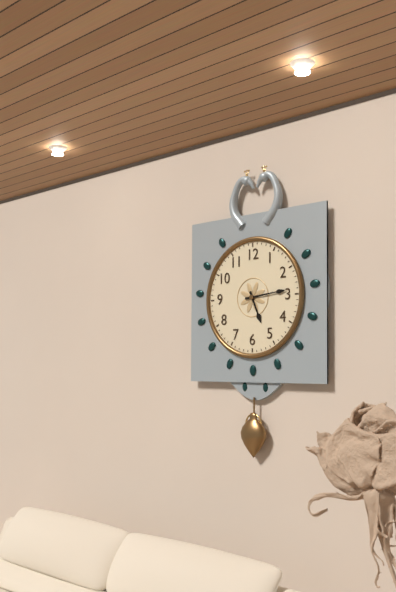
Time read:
5,14
